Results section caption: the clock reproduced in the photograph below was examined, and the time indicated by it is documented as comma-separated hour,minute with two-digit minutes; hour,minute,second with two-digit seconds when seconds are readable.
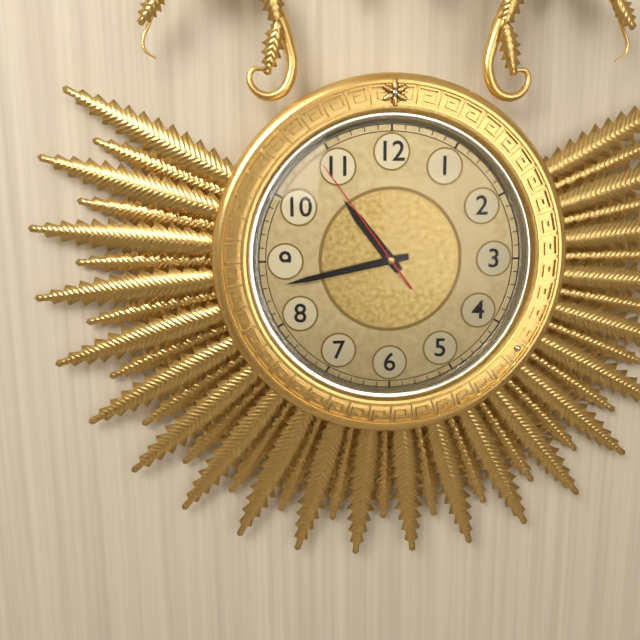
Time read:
10,43,54
